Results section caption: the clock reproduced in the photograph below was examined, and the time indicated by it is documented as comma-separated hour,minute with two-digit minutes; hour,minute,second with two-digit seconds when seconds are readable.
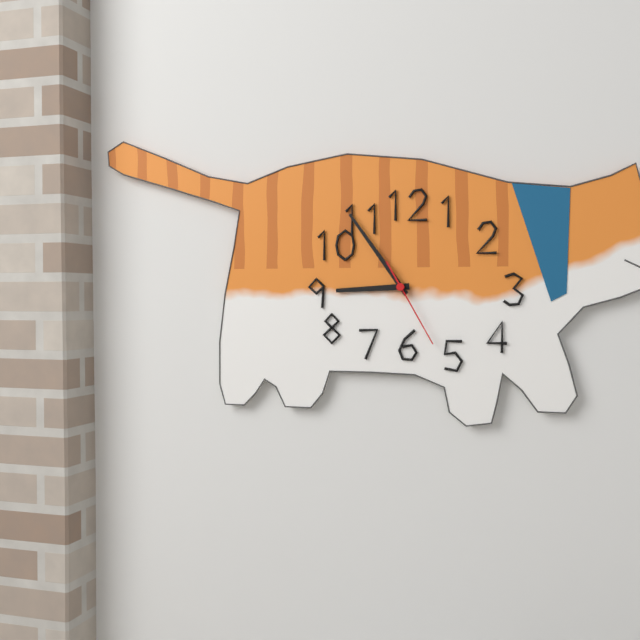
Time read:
8,54,25
